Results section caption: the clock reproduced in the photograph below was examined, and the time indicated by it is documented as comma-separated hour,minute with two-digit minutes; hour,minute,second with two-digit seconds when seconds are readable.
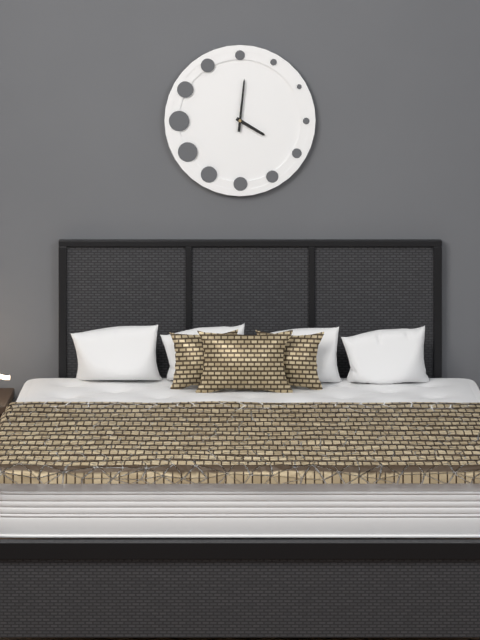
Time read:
4,01
